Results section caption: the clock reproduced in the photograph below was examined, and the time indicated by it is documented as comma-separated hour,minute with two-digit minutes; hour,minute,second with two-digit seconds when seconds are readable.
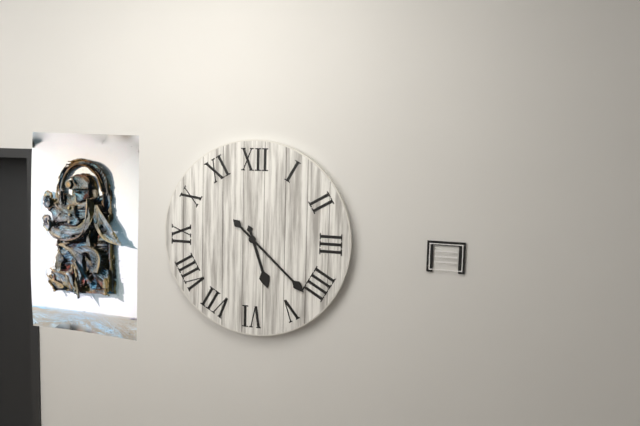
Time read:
5,22
